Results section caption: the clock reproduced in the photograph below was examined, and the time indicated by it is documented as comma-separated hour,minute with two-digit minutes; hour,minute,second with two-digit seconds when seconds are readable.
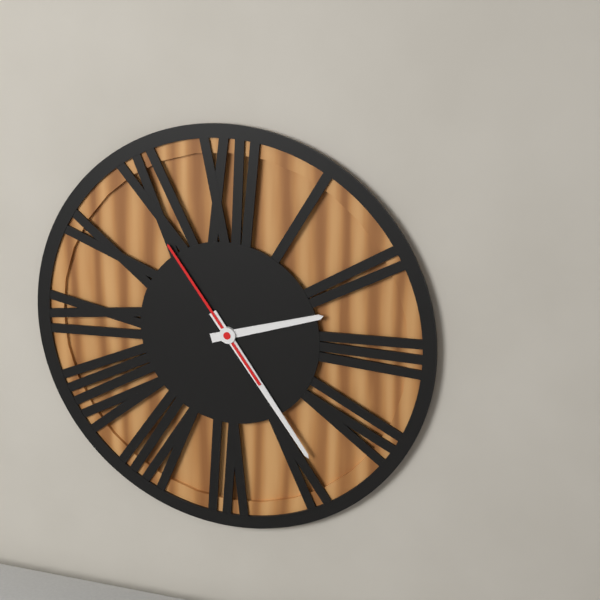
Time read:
2,24,54
